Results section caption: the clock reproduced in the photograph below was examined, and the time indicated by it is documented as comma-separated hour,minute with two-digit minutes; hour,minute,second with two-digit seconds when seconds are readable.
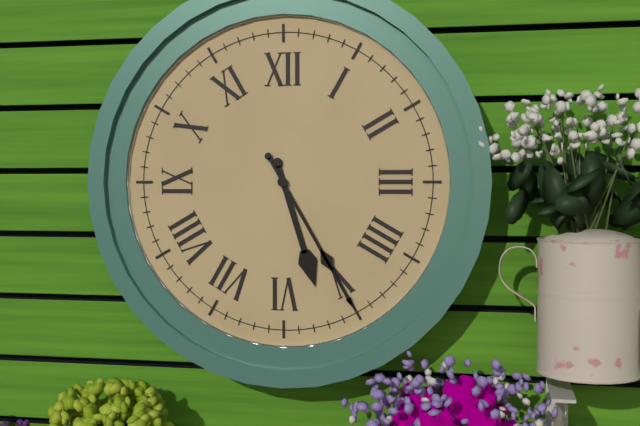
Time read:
5,25
